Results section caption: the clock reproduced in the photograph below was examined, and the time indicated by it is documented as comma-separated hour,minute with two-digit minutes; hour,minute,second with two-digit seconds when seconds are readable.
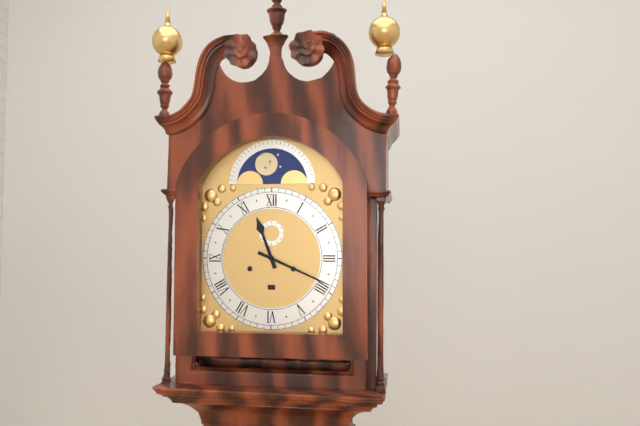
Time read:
11,19
